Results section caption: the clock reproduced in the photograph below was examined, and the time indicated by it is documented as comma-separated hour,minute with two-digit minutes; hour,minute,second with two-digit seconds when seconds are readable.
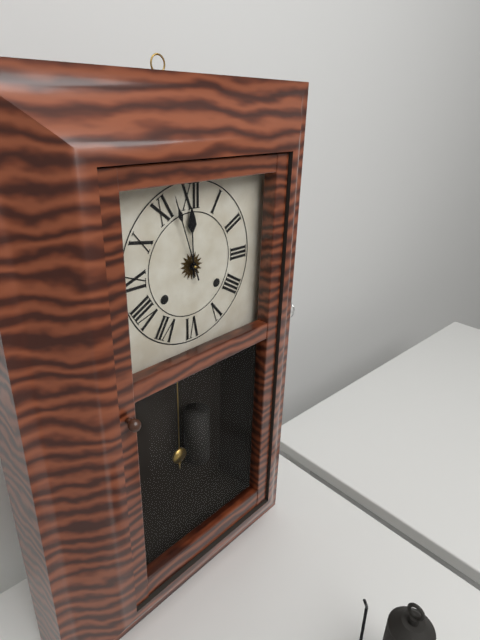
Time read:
11,57
